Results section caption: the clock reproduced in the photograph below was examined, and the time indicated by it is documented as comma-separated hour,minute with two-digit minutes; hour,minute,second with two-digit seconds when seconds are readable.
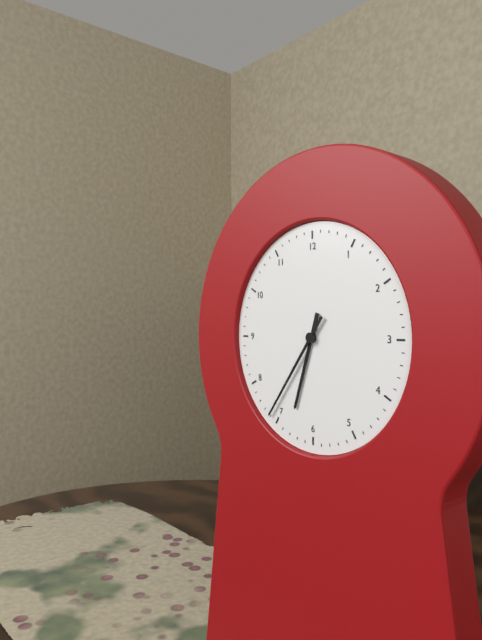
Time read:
6,36
